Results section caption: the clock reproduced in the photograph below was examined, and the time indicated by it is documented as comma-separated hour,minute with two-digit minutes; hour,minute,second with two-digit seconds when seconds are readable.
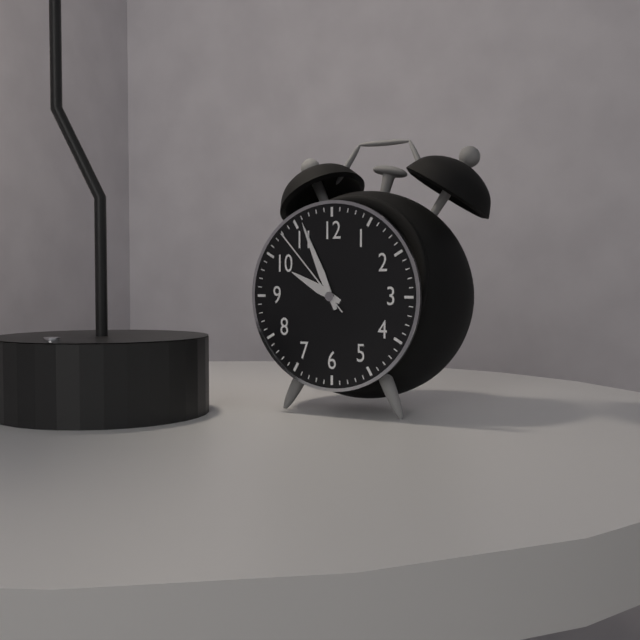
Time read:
9,56,53
